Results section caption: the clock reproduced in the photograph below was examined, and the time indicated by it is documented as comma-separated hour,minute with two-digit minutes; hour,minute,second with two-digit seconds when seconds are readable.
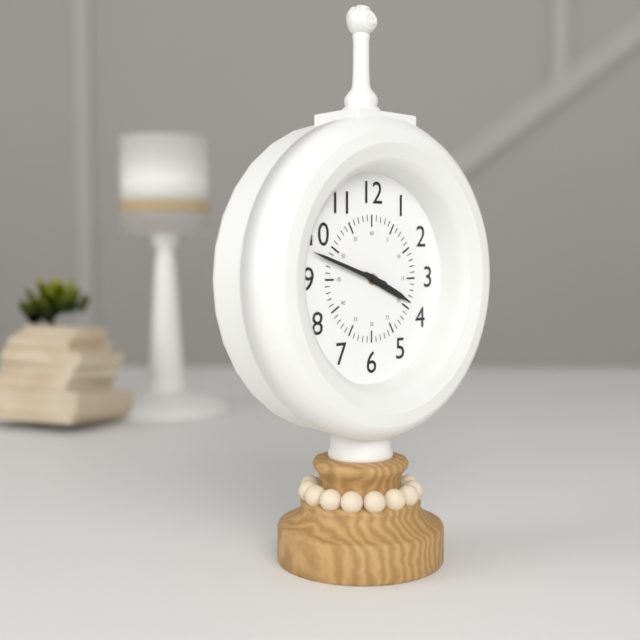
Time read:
3,48
